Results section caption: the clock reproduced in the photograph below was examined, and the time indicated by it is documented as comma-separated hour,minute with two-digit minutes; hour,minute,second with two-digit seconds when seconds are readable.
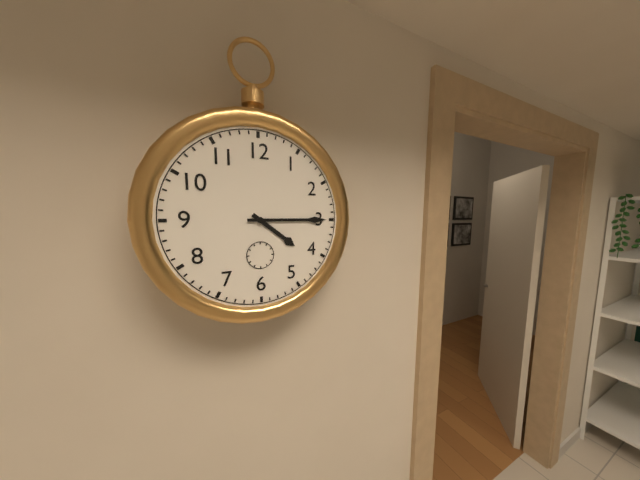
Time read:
4,15
